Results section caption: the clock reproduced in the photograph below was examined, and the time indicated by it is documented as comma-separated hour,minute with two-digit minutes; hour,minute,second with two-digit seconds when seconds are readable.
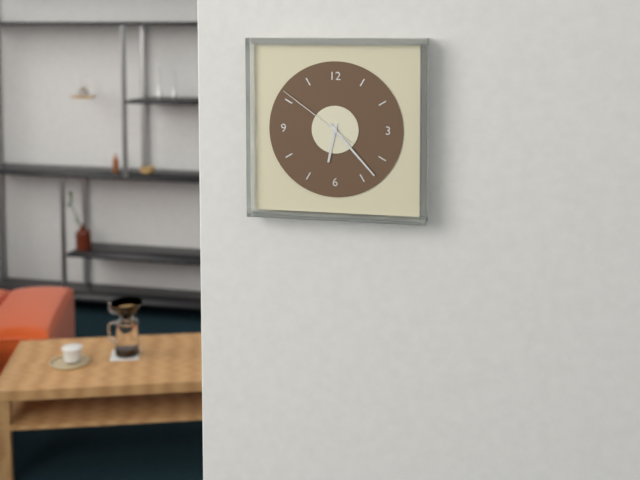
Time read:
6,23,51
